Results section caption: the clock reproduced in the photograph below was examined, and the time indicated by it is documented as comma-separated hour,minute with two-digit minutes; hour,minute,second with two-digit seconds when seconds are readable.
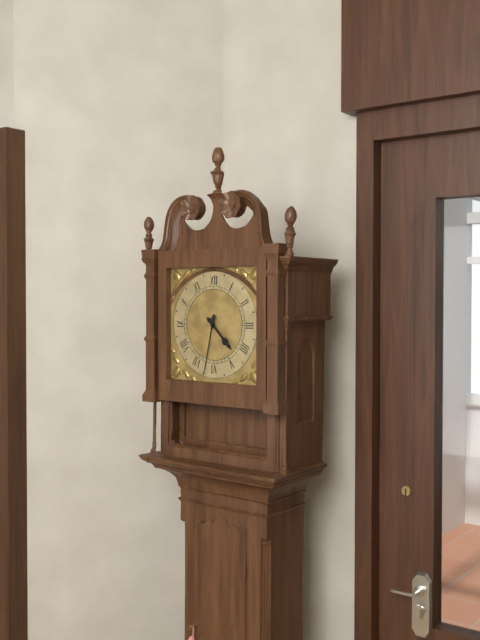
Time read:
4,32
